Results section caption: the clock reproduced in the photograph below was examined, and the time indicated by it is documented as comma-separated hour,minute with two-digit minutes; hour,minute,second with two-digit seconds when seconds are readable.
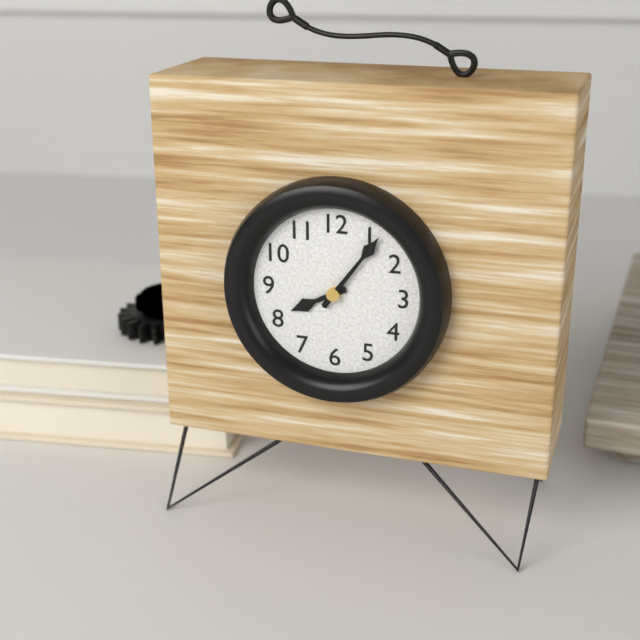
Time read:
8,06
